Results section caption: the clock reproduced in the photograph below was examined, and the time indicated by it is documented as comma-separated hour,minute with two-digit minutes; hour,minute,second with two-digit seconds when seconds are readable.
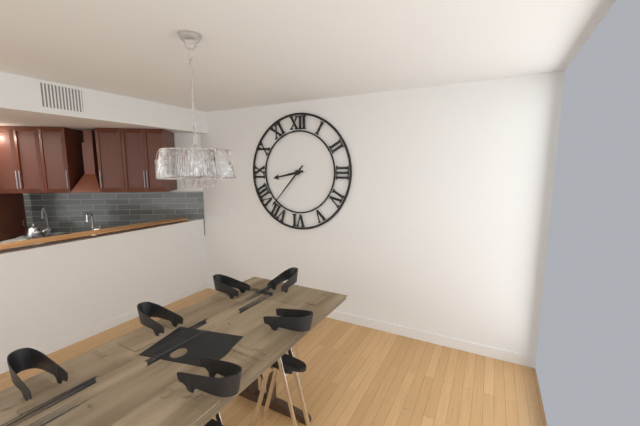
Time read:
8,37
